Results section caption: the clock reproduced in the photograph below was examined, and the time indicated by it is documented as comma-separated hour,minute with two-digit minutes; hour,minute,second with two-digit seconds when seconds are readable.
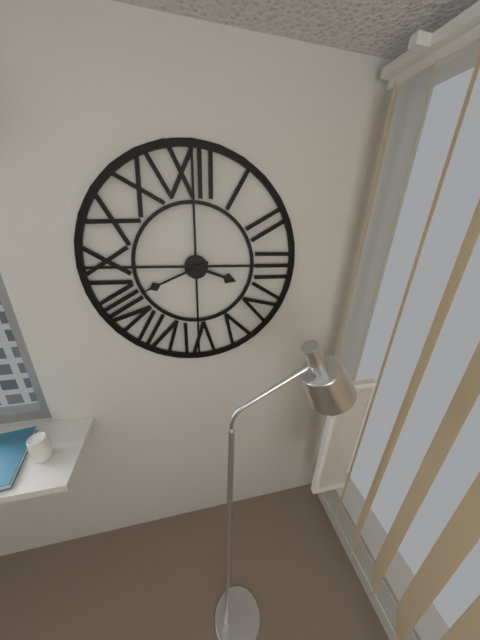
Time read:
3,41
